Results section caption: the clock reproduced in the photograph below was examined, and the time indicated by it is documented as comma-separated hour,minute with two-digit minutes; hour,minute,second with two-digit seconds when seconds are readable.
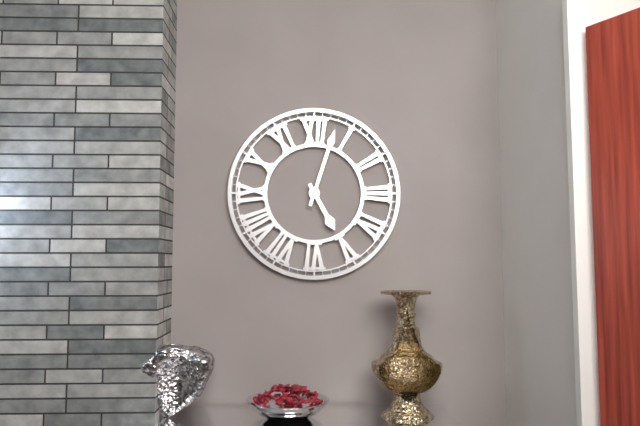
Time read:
5,03
